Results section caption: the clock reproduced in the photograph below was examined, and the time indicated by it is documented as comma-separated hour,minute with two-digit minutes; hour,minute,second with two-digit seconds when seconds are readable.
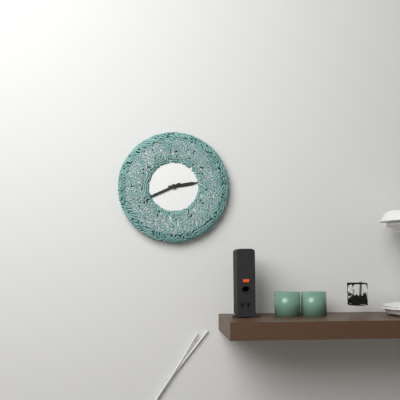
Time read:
2,41
